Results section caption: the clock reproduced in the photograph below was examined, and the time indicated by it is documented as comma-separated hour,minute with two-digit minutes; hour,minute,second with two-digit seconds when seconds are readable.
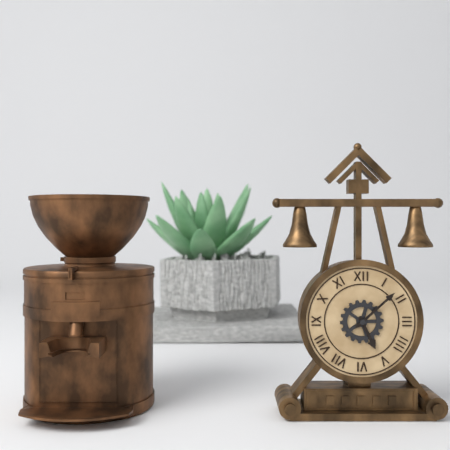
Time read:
5,08
